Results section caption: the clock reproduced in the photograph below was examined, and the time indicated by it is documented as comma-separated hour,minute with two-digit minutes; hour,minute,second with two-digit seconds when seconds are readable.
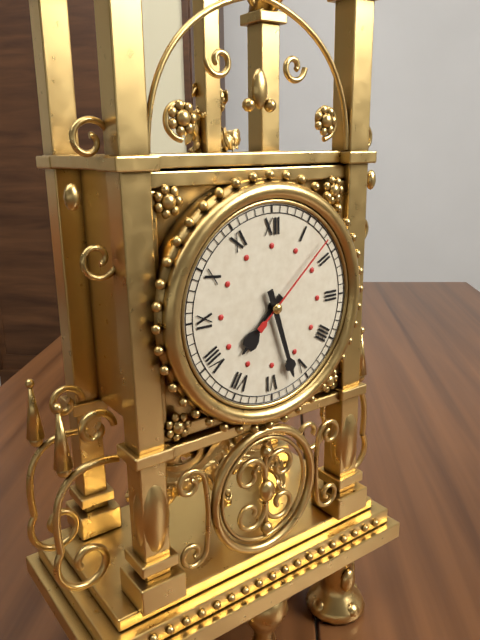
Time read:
7,27,08
